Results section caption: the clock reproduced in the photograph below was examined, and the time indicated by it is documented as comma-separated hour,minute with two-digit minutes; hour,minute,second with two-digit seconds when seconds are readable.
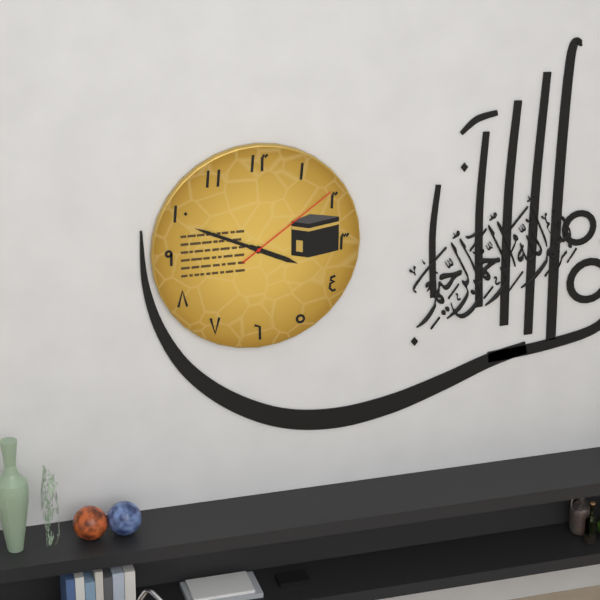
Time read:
3,49,09
